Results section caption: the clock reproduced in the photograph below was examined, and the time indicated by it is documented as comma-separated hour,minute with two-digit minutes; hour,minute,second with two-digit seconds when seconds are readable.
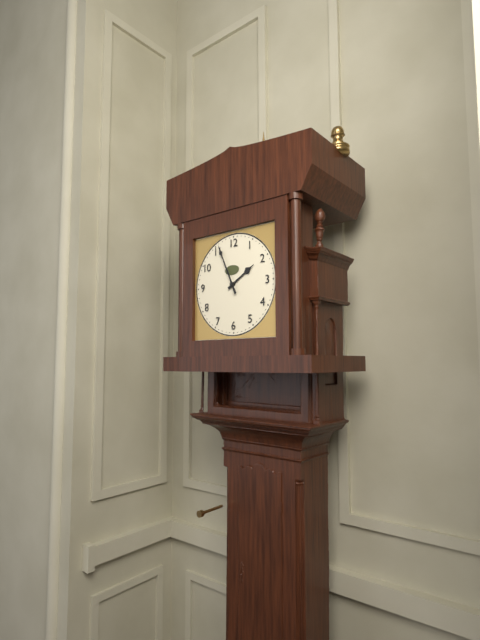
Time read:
1,56
